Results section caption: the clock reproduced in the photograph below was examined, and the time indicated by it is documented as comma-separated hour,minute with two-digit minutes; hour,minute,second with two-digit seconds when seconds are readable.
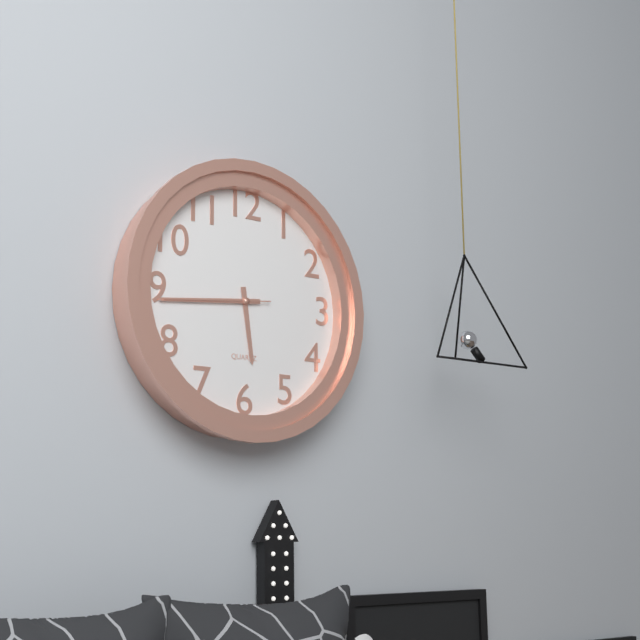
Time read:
5,44,44
